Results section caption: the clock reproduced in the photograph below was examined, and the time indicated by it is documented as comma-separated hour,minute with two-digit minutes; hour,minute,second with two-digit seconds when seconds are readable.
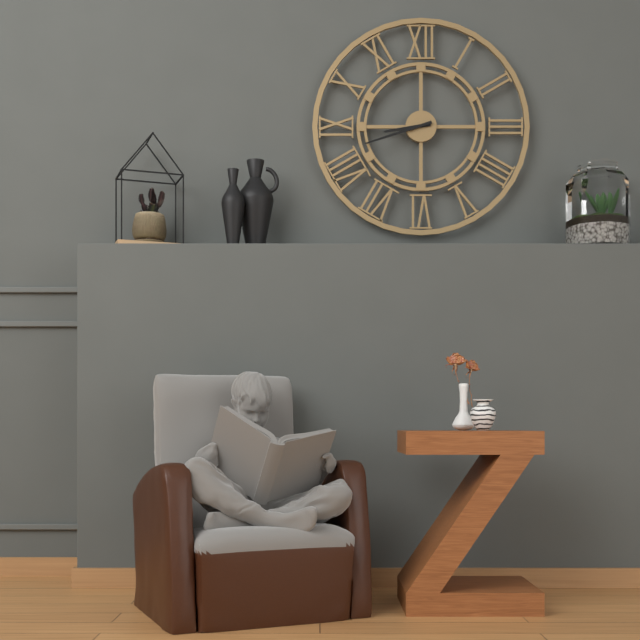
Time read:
8,42
